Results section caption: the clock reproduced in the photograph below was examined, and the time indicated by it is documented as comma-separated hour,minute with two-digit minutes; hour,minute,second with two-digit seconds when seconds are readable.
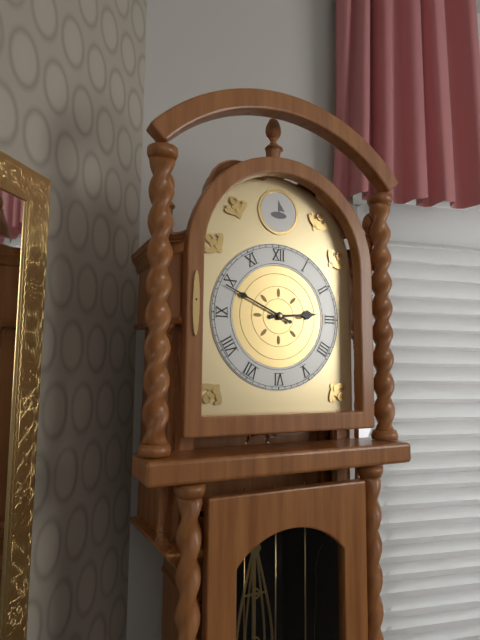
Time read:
2,49
